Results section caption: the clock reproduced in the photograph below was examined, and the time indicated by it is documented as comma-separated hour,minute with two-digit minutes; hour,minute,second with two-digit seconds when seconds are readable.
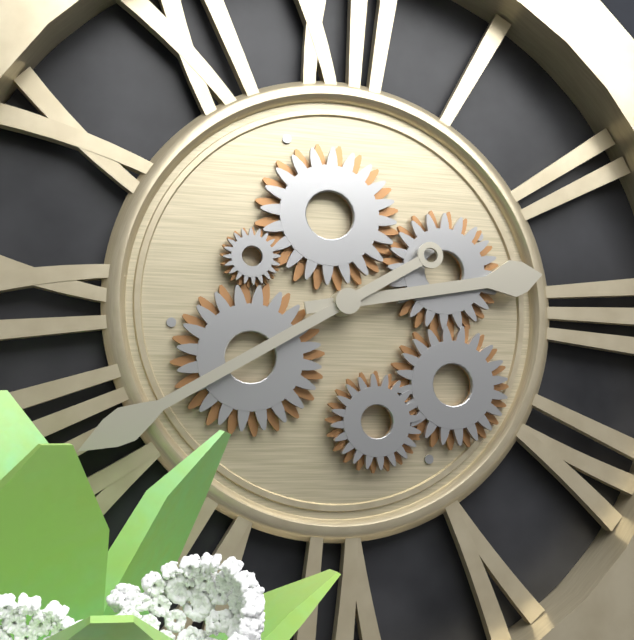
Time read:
2,40
